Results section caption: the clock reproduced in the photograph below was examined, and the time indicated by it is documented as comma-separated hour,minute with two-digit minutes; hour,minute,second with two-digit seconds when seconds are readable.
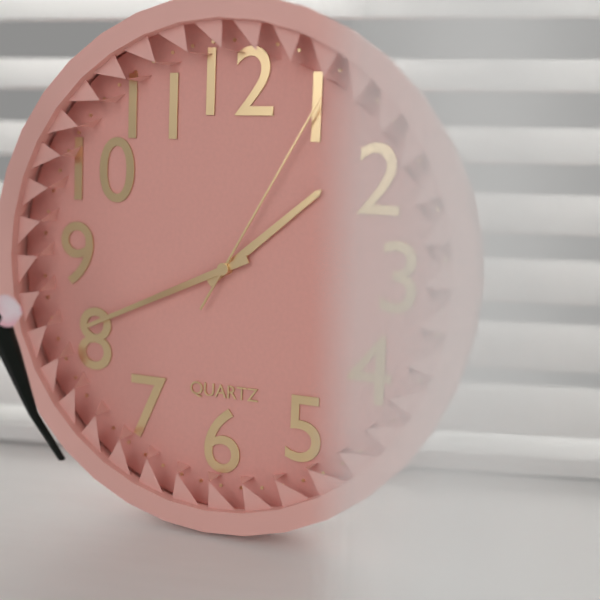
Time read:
1,41,05
